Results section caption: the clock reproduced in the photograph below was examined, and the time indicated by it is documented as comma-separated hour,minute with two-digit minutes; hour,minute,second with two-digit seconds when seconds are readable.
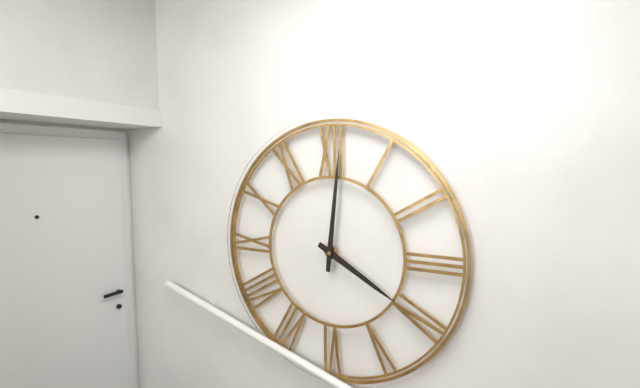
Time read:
4,01
